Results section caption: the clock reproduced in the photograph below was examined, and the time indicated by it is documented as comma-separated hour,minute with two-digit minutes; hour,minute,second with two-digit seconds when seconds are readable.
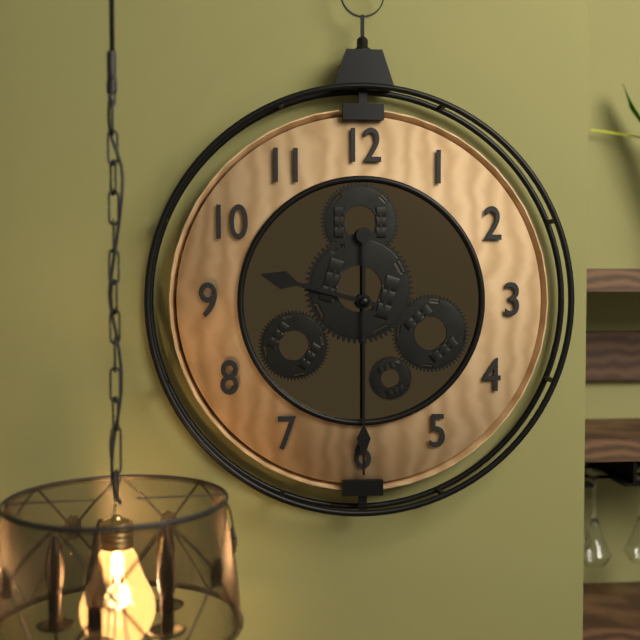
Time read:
9,30
